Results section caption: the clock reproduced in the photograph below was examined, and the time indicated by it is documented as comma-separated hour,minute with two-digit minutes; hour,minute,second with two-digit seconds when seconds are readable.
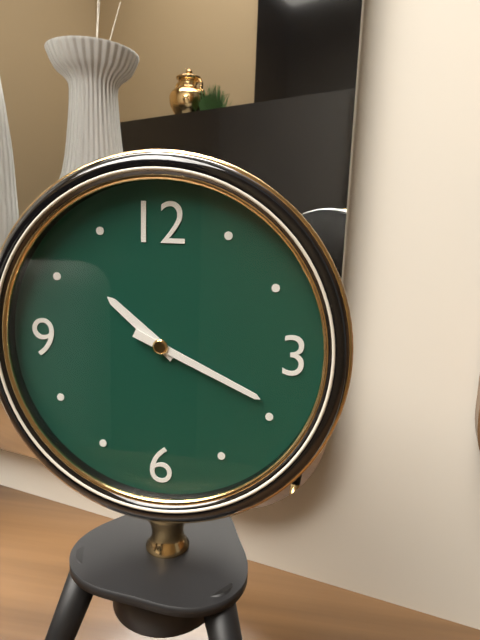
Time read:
10,19
